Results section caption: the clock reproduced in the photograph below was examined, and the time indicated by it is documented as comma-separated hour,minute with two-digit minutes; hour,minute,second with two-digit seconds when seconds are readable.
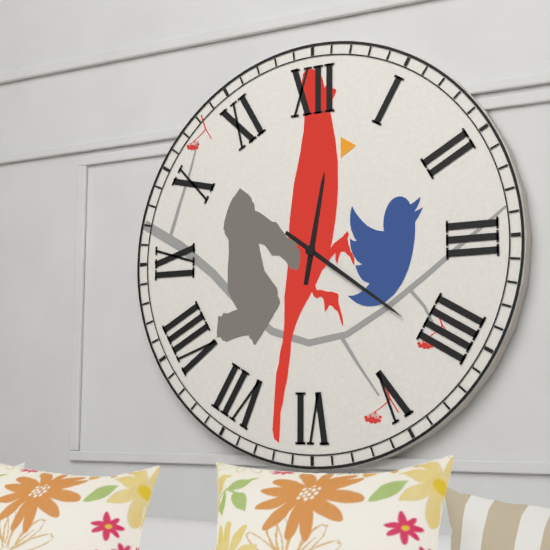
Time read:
12,21
